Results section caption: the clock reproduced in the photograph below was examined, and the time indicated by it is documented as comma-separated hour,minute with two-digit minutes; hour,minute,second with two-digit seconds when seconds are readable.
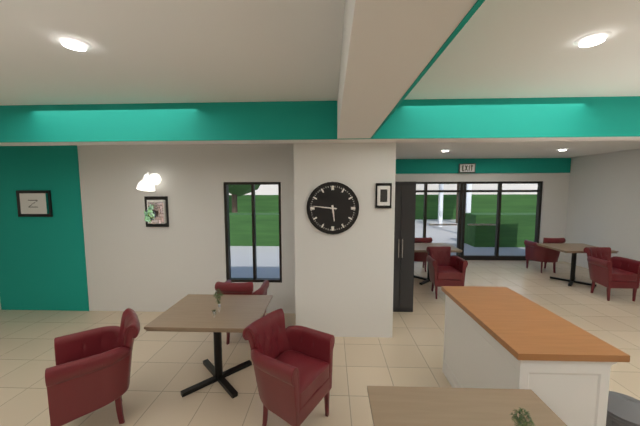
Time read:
5,46
